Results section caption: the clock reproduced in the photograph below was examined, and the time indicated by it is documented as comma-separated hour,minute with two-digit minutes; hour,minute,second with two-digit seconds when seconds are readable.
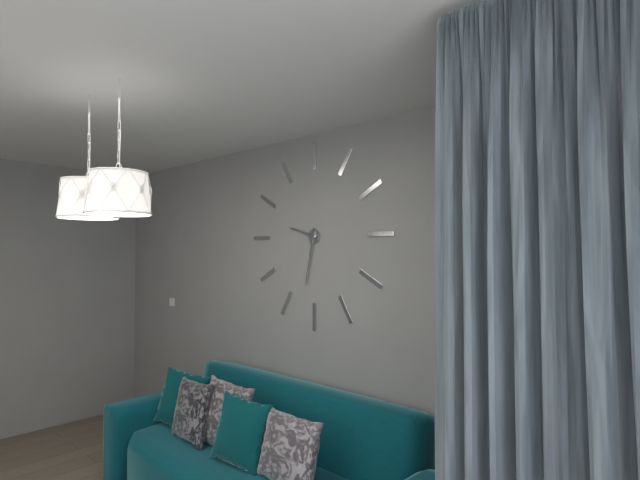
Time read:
9,32
